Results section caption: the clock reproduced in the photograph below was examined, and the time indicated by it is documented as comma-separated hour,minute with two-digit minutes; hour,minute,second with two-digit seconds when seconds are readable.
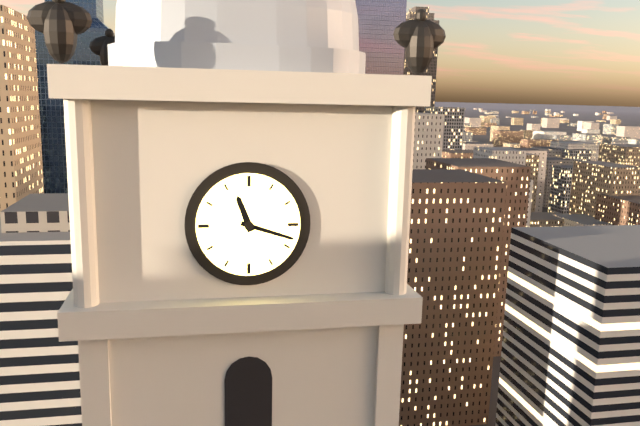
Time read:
11,18
